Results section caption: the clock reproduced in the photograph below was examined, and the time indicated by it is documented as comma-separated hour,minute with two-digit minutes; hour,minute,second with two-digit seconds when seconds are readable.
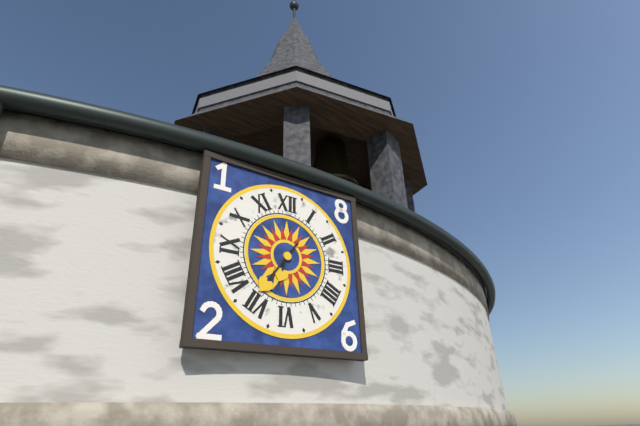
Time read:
6,36
